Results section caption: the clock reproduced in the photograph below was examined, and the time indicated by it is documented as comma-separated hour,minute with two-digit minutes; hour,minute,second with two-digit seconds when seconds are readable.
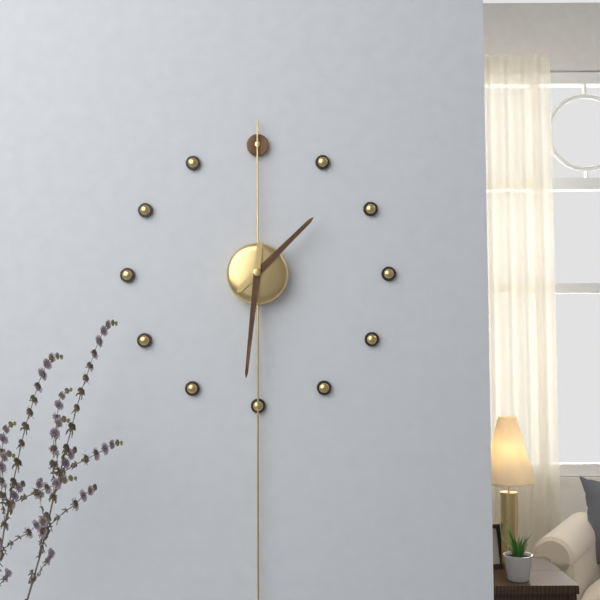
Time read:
1,31
